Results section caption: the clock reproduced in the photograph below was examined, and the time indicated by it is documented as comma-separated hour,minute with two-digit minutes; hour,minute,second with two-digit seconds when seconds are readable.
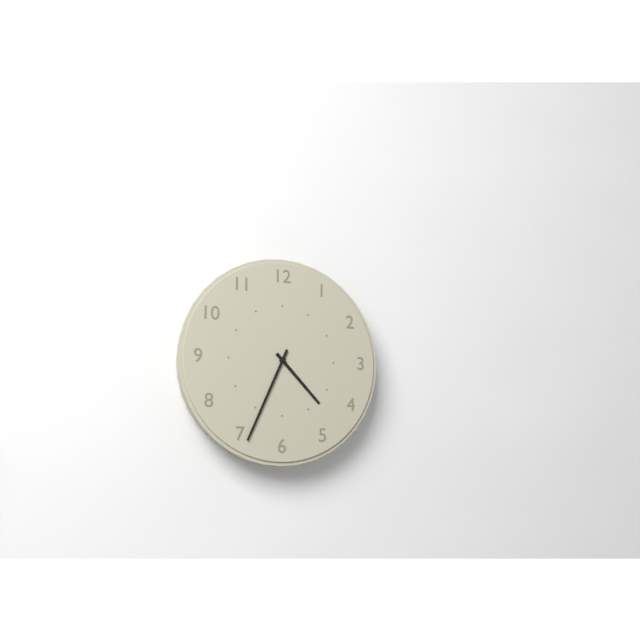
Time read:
4,34
